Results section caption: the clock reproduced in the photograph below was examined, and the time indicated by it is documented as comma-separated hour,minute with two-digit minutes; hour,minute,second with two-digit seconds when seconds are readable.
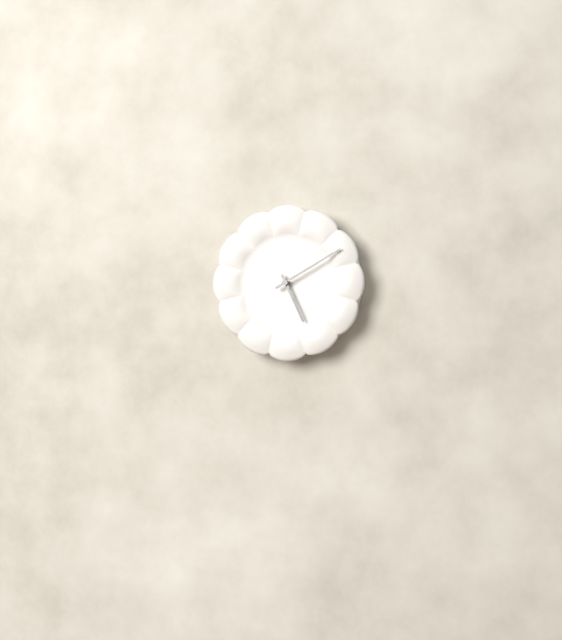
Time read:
5,10
